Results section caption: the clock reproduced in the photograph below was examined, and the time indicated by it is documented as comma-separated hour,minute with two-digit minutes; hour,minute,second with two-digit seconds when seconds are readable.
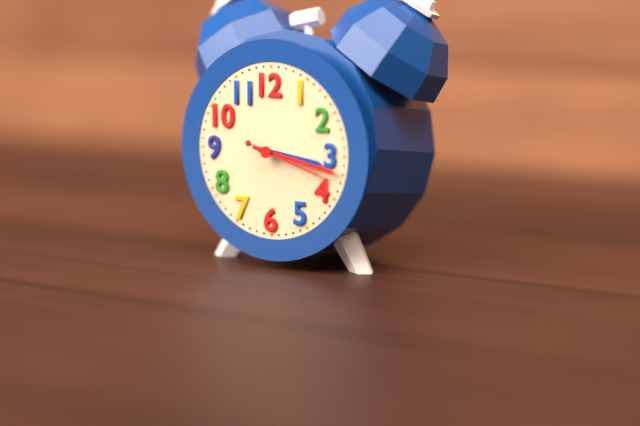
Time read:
3,17,18
